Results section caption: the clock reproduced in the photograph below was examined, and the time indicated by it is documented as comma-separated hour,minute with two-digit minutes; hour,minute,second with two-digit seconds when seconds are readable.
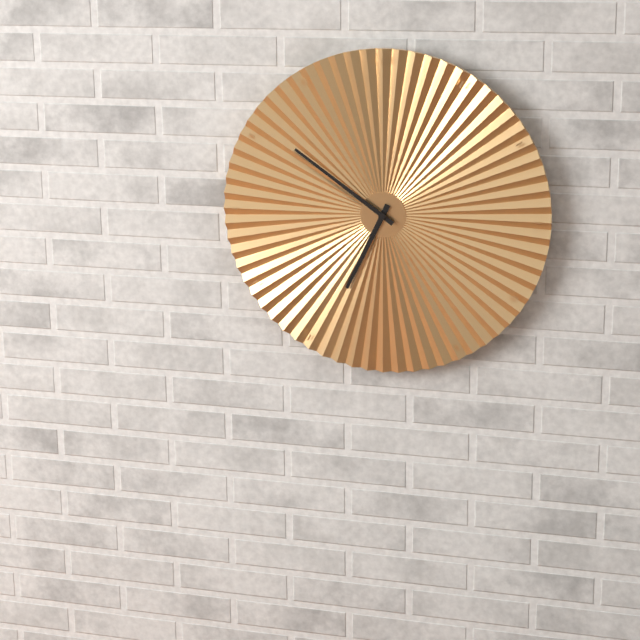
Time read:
6,51
